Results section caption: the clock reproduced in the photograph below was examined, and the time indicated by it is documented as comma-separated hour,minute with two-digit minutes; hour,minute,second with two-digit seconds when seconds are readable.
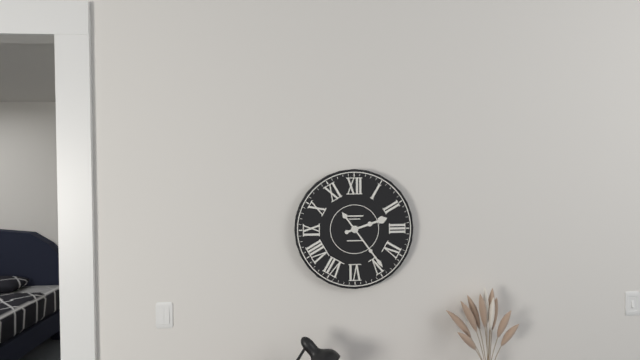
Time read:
2,24
